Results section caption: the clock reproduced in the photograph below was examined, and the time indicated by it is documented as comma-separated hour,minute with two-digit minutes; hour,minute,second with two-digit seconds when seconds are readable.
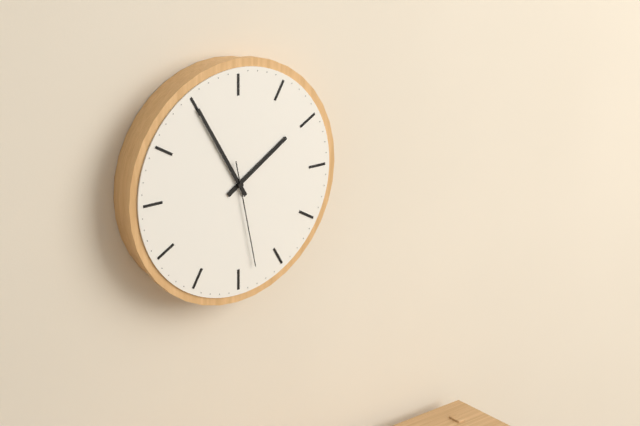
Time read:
1,55,28
